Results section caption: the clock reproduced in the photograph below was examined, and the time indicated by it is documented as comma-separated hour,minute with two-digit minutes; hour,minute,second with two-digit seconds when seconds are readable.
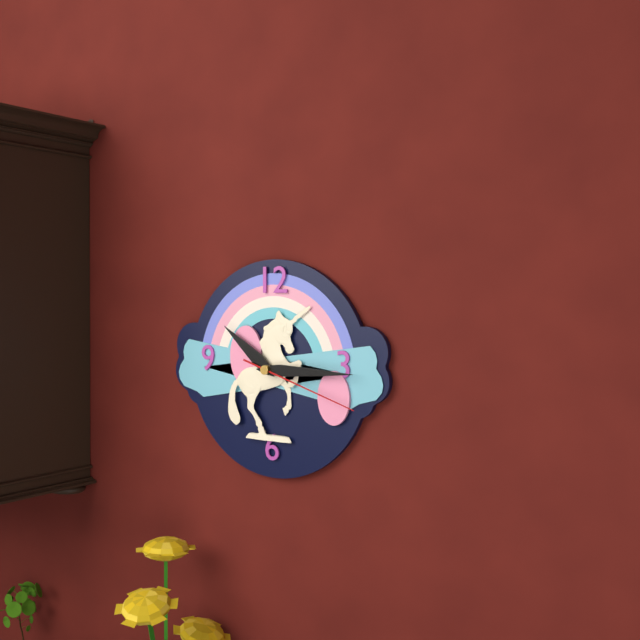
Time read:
10,15,18
